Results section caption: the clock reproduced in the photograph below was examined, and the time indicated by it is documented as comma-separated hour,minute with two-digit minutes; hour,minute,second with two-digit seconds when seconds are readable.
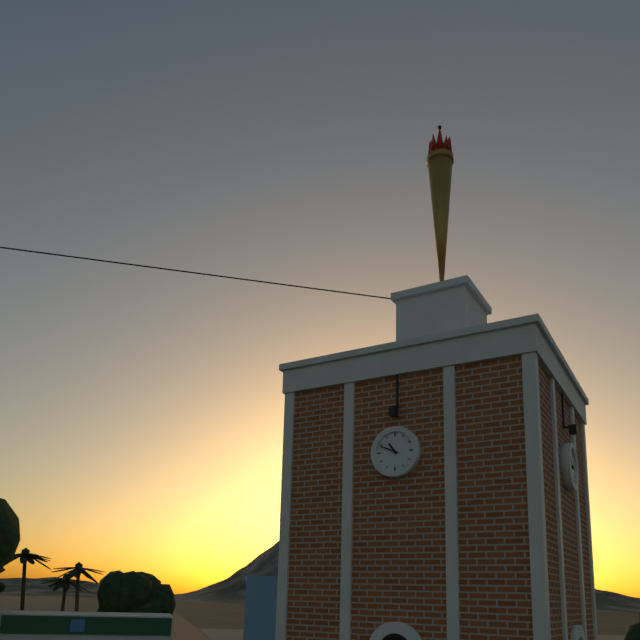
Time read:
10,49
